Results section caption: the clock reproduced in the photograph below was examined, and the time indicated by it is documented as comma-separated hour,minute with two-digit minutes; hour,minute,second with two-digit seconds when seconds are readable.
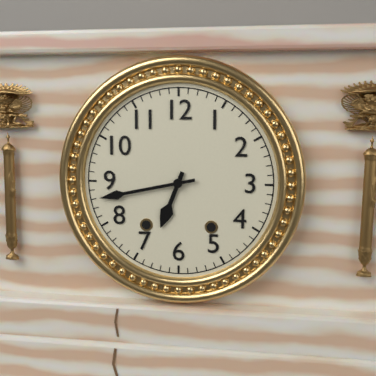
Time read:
6,43
